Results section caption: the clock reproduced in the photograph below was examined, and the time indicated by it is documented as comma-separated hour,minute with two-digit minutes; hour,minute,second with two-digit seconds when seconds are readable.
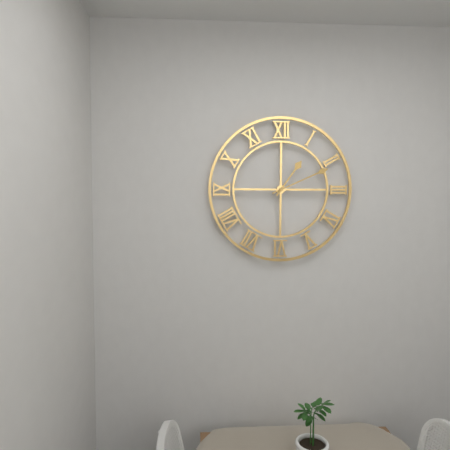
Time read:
1,11
